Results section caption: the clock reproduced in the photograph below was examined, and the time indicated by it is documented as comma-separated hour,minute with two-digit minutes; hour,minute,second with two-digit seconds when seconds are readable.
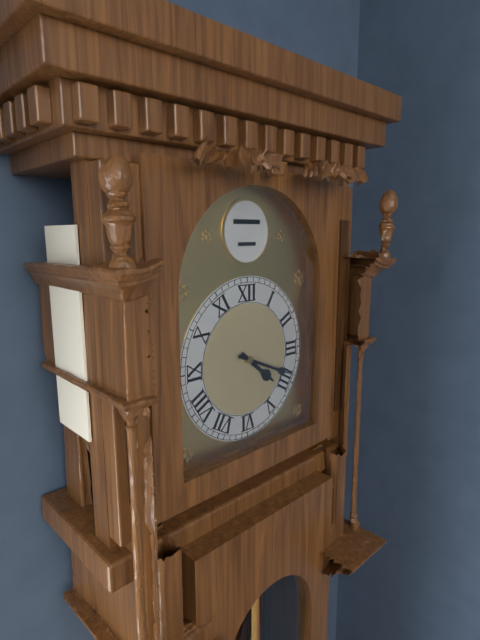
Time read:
4,19
